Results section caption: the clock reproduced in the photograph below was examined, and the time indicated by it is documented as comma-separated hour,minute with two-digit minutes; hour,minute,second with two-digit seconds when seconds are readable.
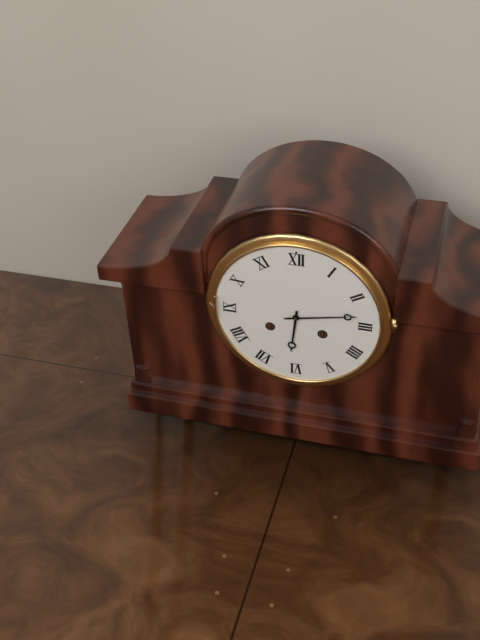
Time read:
6,13
